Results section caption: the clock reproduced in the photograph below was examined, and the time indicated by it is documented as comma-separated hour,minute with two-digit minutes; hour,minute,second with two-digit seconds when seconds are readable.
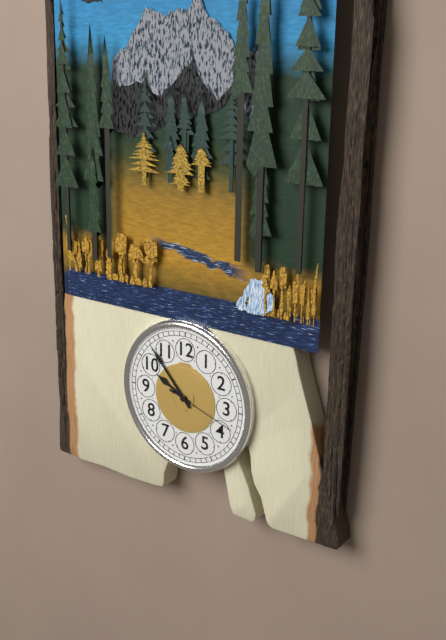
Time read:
9,53,18
